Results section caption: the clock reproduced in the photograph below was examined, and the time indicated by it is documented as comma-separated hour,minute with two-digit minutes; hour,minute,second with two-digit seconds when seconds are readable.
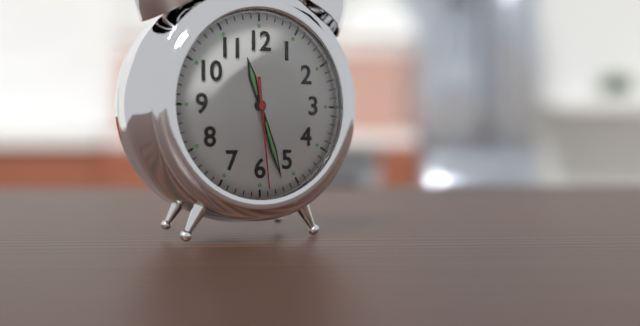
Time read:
11,27,29
